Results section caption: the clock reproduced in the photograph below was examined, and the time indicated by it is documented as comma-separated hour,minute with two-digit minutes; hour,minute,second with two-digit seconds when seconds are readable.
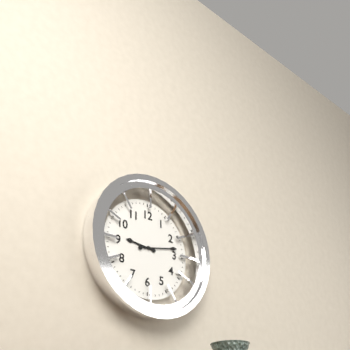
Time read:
9,13
